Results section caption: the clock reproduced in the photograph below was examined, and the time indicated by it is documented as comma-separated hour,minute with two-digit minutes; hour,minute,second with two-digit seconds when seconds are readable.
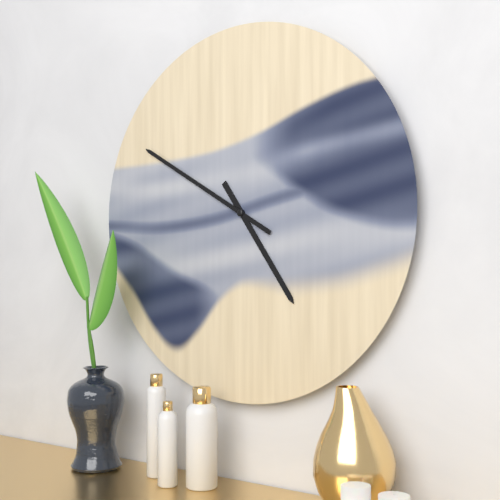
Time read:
4,50
